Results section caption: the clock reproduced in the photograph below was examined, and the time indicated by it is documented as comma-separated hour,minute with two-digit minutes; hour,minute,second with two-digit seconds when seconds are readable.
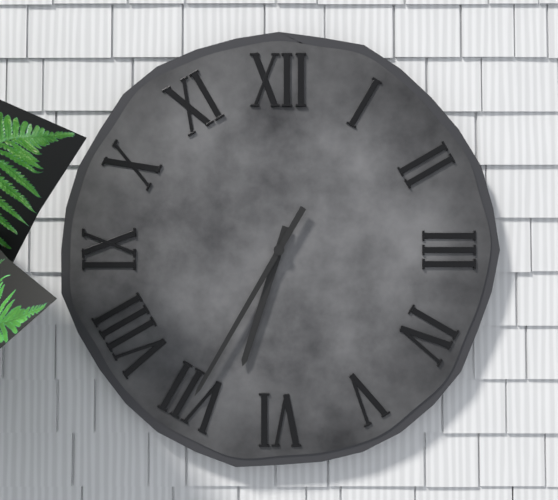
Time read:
6,35
